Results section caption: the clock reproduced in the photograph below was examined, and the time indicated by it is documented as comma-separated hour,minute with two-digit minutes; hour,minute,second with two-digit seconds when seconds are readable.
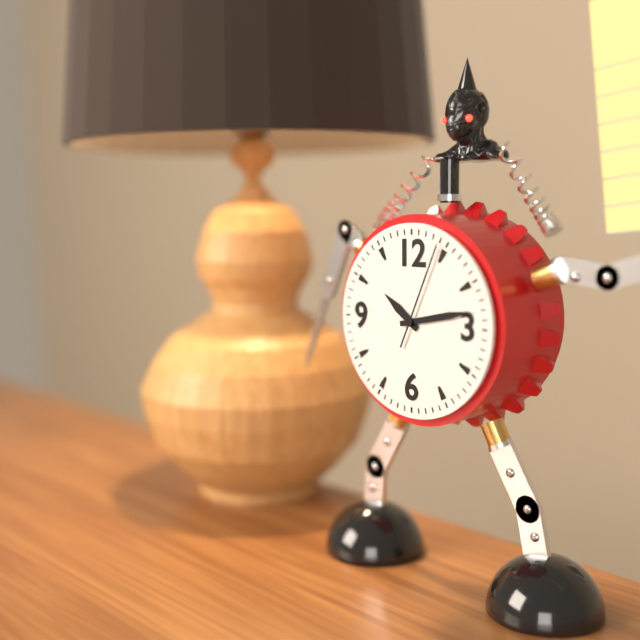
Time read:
10,13,04
